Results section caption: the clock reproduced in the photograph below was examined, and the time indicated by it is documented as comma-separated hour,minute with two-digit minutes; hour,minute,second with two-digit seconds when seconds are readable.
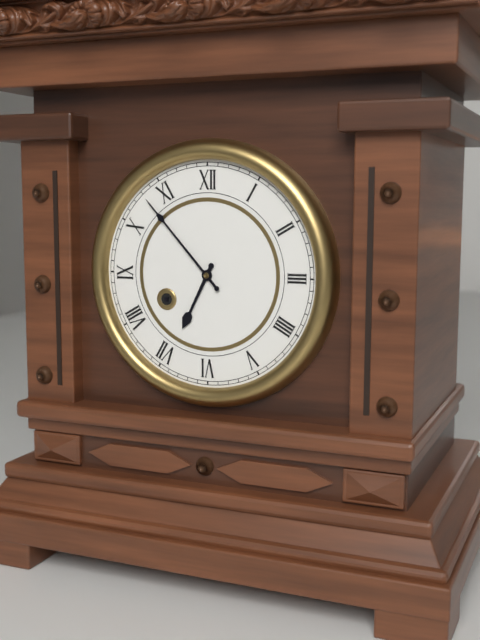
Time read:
6,53
